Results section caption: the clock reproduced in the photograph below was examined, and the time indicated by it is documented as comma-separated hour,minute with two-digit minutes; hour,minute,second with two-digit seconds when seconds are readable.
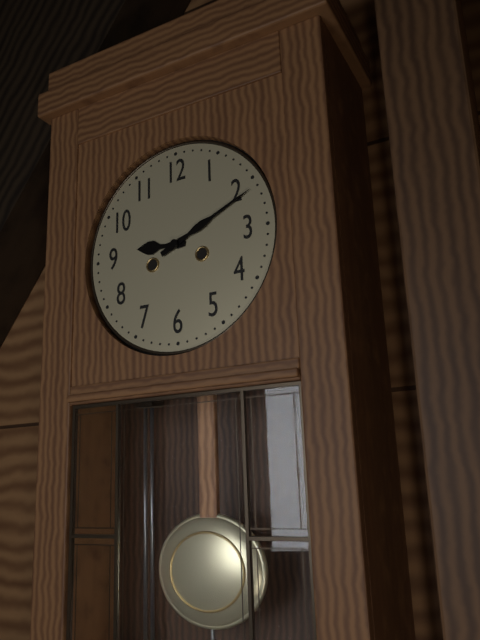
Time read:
9,11
